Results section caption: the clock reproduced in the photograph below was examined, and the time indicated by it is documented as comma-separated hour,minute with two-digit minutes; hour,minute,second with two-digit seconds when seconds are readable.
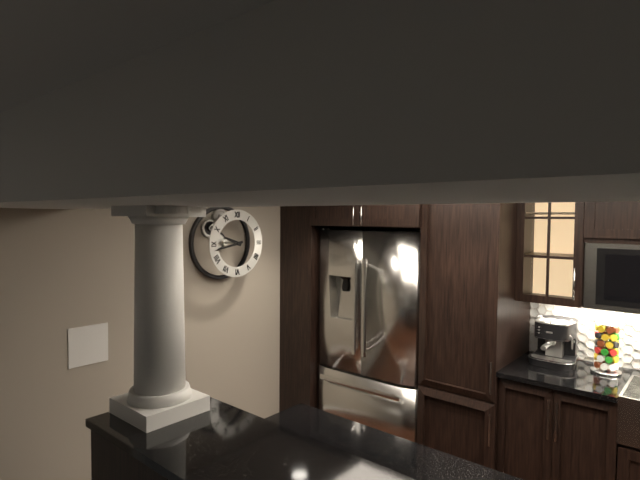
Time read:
9,43
